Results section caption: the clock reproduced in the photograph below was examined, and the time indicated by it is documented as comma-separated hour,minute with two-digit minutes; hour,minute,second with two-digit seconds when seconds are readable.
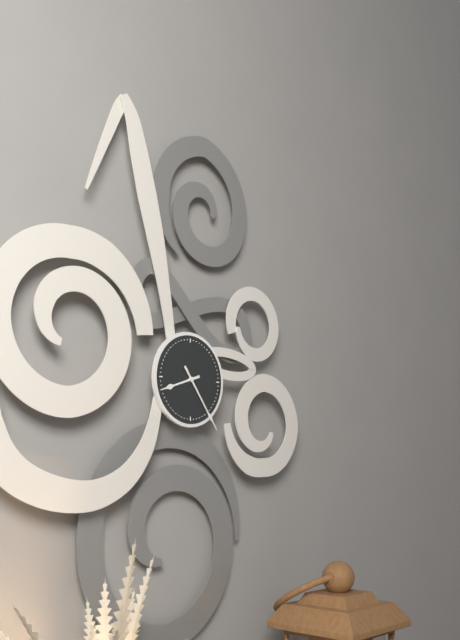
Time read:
8,24
